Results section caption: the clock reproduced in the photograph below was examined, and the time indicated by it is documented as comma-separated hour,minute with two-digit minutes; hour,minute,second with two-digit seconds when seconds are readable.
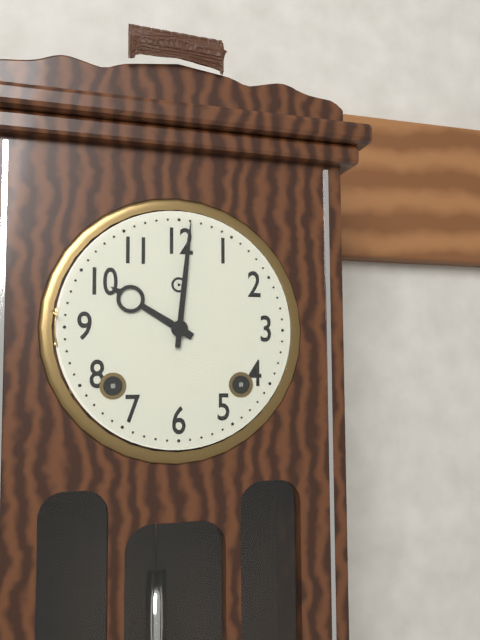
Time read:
10,01
